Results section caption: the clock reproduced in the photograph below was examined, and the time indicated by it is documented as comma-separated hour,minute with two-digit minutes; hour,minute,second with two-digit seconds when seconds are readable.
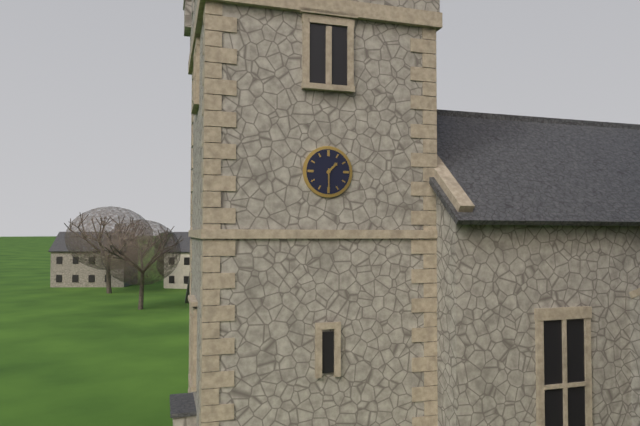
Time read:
1,30
